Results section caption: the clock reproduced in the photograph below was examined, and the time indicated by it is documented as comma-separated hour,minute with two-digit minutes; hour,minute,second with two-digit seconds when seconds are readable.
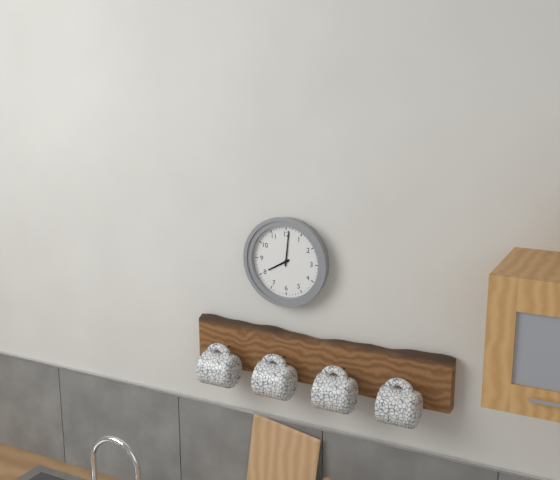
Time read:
8,01
